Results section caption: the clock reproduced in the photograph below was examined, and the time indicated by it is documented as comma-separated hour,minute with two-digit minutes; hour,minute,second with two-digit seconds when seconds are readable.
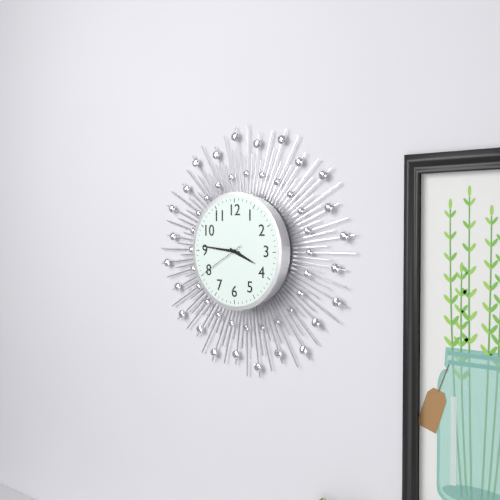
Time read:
3,46
